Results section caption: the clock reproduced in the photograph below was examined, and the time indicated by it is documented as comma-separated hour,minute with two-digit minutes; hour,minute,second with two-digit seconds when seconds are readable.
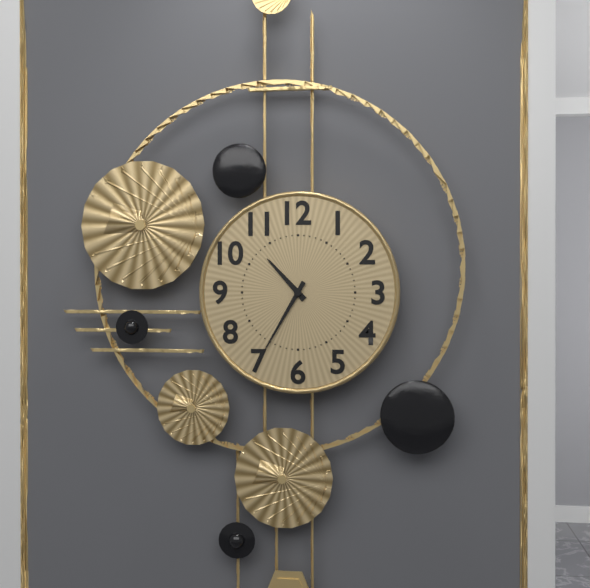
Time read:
10,35
